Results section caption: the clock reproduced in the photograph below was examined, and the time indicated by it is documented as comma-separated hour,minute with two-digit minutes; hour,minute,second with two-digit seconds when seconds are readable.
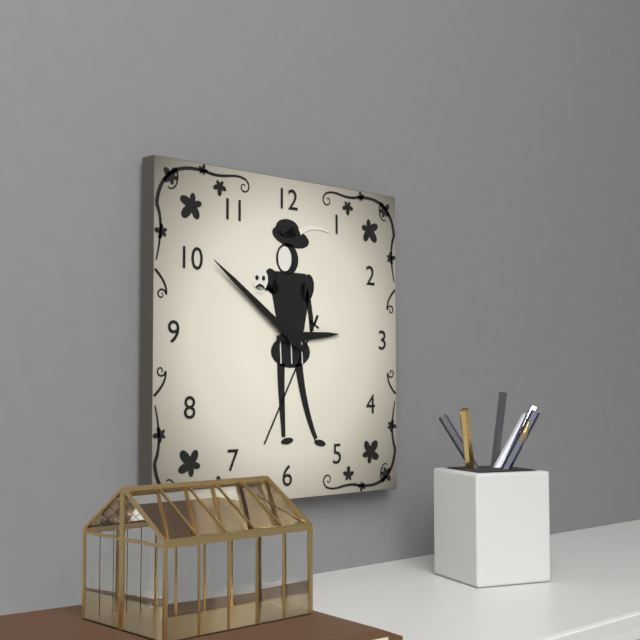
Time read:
2,51
